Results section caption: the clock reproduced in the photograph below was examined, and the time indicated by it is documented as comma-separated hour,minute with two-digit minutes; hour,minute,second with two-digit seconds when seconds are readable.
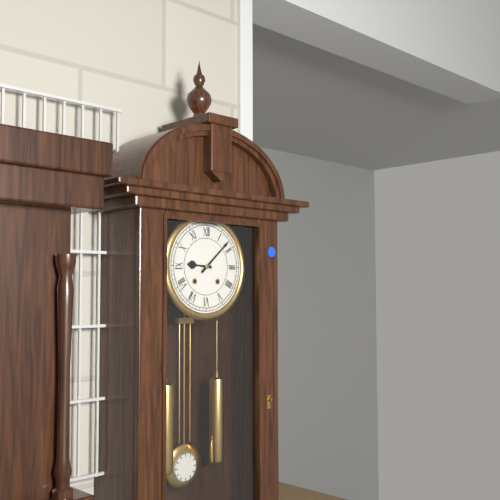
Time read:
9,08
